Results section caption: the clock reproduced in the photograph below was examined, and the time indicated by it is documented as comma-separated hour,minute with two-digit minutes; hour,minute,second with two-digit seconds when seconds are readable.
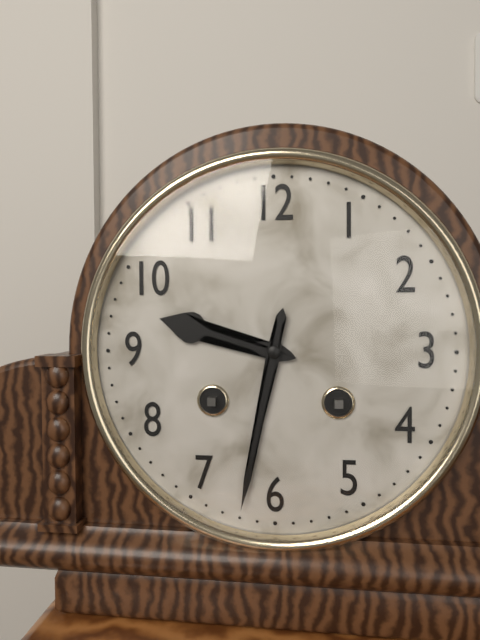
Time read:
9,32
